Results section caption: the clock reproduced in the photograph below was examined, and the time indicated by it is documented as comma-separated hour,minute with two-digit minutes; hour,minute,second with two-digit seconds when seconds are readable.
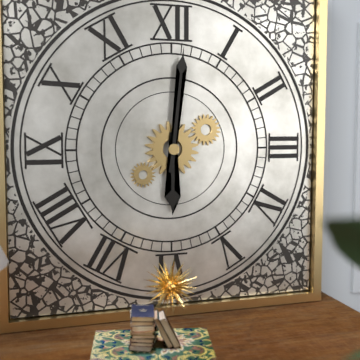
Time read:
6,01
